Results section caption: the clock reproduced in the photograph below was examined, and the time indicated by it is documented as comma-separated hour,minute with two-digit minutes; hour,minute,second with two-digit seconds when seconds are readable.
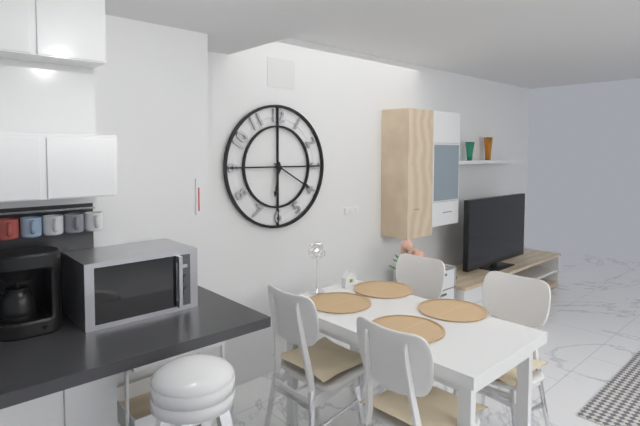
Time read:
6,20
